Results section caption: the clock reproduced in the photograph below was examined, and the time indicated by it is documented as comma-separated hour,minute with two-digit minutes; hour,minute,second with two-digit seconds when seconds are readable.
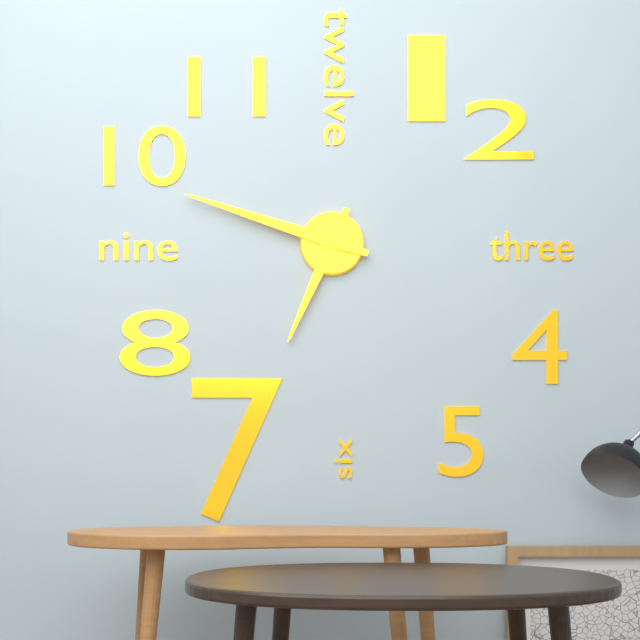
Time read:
6,48
